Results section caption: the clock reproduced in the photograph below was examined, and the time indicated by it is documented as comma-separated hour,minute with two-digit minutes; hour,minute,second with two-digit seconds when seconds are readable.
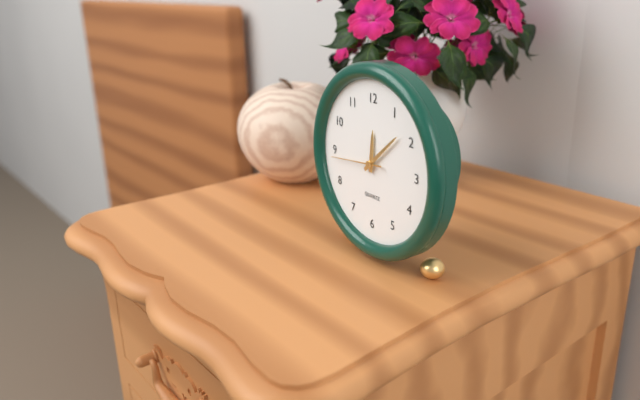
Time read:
12,08
